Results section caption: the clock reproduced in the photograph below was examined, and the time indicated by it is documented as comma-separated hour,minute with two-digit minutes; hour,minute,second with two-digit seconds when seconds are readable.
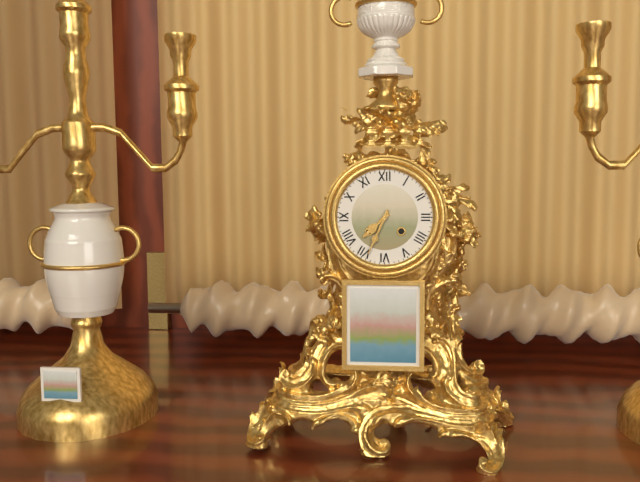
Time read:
7,34
